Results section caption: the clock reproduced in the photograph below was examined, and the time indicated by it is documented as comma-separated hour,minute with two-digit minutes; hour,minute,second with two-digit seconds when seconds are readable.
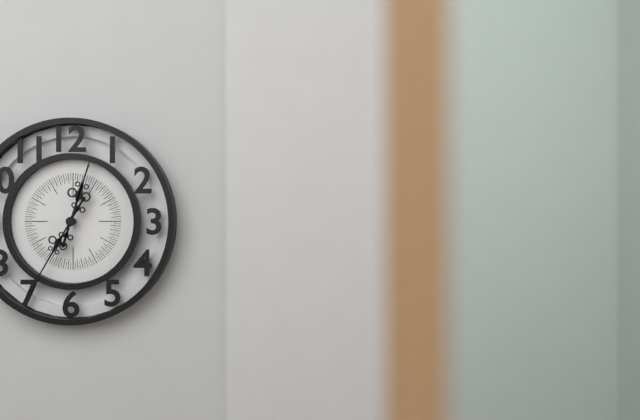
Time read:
12,35
